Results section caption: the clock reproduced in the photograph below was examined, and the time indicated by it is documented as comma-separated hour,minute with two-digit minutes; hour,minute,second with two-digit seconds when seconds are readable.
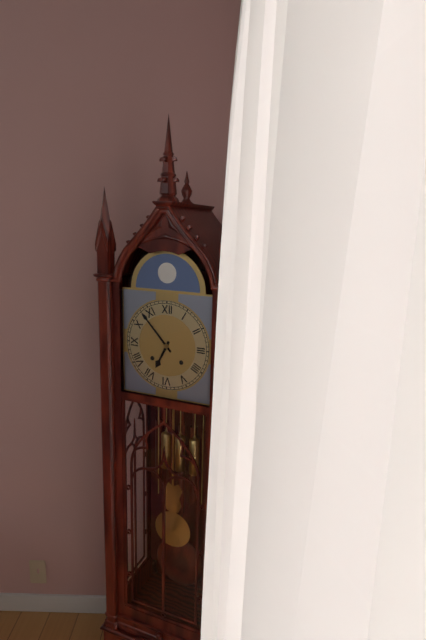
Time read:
6,53
